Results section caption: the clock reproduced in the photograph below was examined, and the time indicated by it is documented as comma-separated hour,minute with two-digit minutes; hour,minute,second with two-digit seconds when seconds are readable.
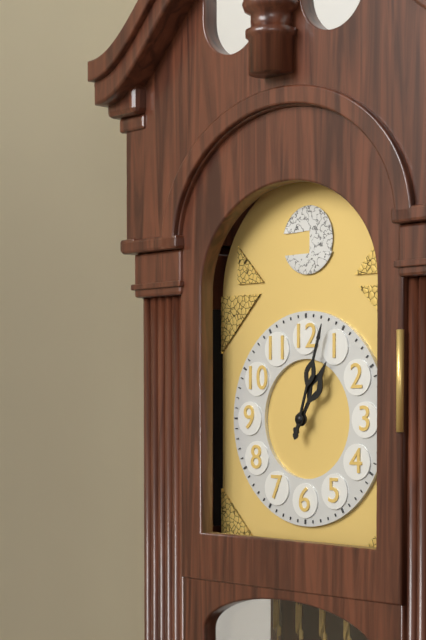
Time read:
1,03
